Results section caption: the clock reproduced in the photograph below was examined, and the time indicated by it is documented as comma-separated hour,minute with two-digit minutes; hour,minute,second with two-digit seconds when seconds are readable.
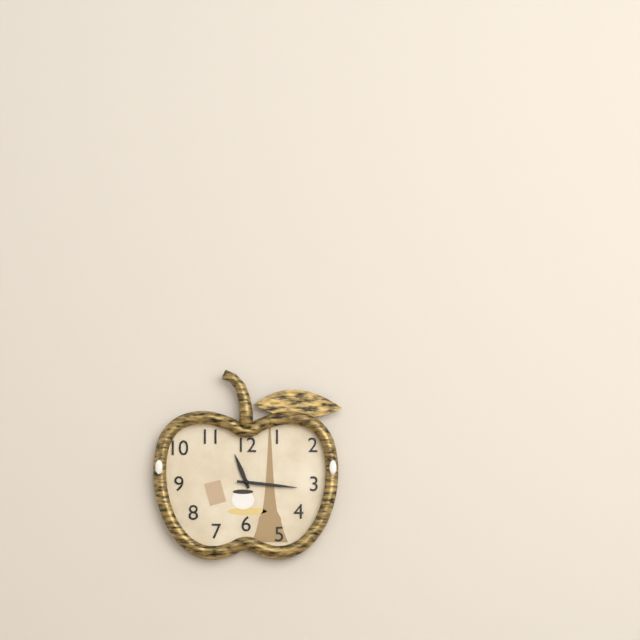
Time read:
11,16
